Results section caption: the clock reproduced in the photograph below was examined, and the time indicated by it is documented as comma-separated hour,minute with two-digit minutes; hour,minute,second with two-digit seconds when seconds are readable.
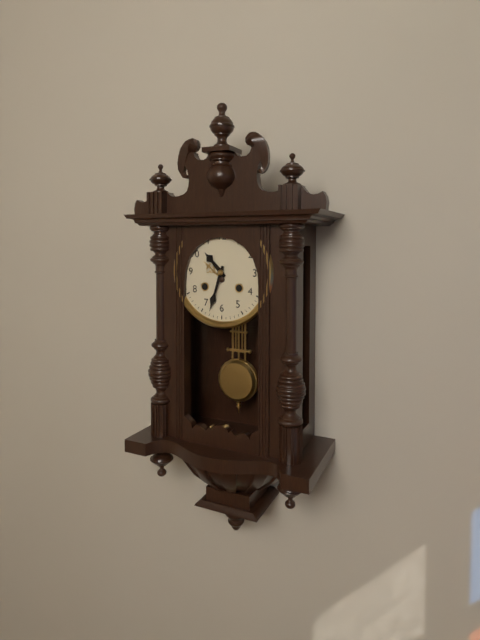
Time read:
10,33
